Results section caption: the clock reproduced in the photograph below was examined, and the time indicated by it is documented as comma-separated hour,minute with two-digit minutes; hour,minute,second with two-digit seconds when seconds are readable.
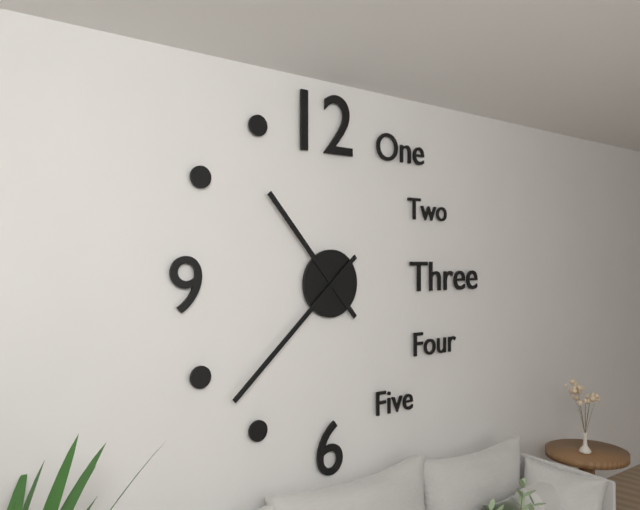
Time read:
10,38
